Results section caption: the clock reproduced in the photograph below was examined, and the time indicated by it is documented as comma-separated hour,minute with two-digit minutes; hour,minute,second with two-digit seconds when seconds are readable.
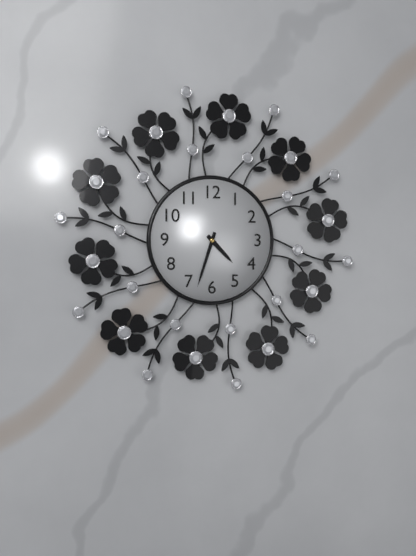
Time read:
4,33
